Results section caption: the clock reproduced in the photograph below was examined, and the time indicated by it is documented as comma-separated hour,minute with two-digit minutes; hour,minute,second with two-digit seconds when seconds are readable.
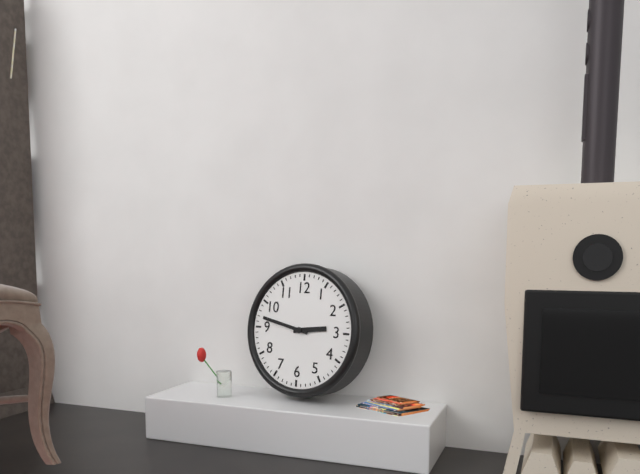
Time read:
2,47
